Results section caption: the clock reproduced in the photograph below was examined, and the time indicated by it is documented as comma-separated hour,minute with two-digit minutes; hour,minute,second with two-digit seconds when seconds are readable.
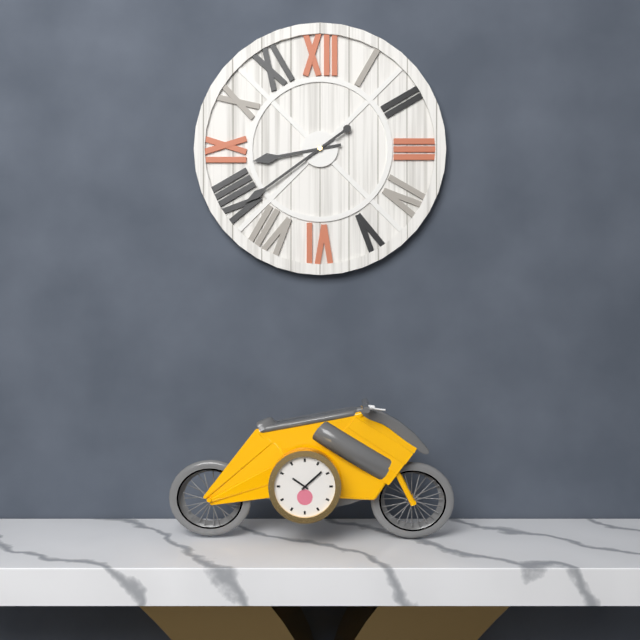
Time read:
8,39
